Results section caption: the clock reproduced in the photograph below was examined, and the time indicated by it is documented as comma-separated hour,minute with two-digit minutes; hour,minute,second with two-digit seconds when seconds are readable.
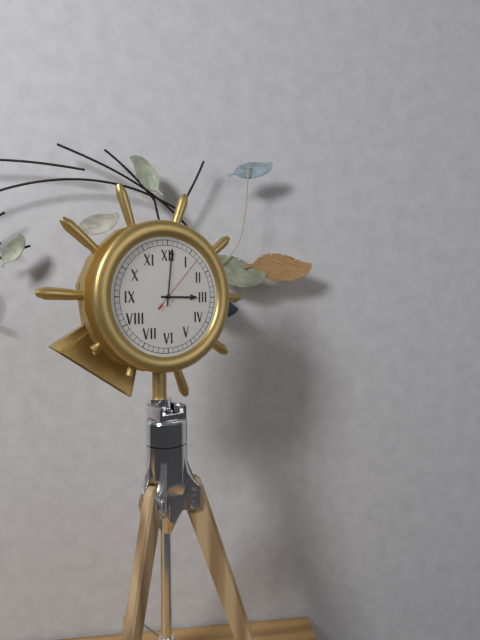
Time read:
3,01,07
